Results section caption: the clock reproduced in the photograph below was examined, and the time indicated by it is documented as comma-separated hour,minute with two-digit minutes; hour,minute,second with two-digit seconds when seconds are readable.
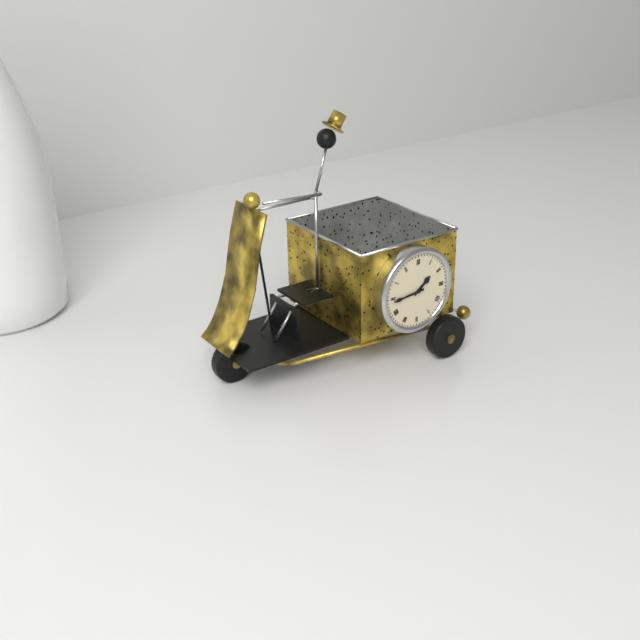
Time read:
1,44
